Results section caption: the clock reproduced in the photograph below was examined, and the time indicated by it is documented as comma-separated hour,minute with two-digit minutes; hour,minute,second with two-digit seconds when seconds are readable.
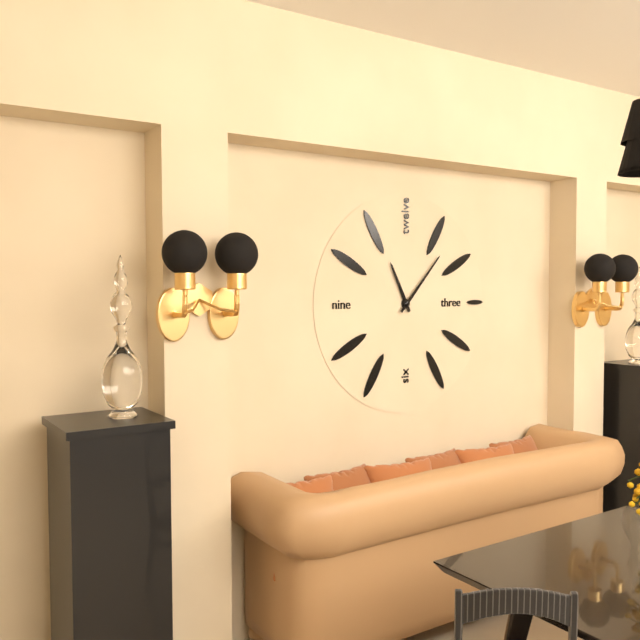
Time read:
11,07
